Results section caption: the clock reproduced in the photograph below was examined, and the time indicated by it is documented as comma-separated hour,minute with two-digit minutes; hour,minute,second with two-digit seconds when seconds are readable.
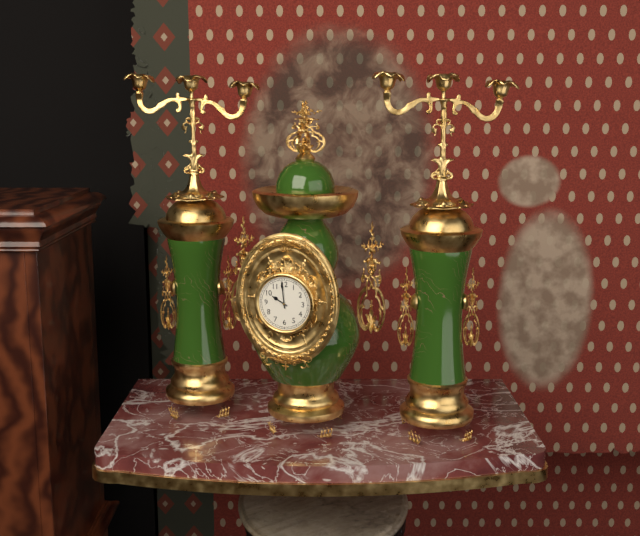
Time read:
9,59
